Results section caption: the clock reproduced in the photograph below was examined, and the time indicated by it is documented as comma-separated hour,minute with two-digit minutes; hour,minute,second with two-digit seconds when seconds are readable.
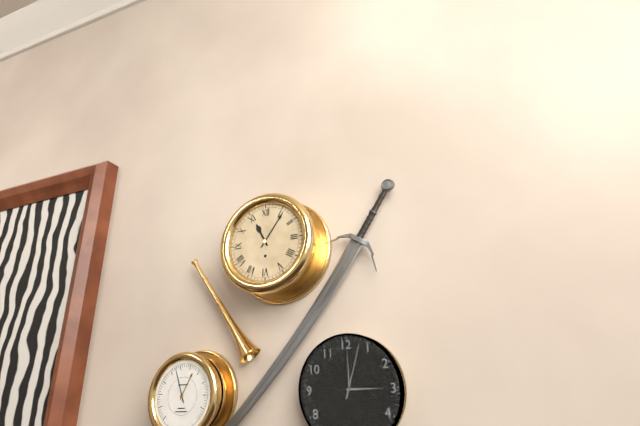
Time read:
11,06
